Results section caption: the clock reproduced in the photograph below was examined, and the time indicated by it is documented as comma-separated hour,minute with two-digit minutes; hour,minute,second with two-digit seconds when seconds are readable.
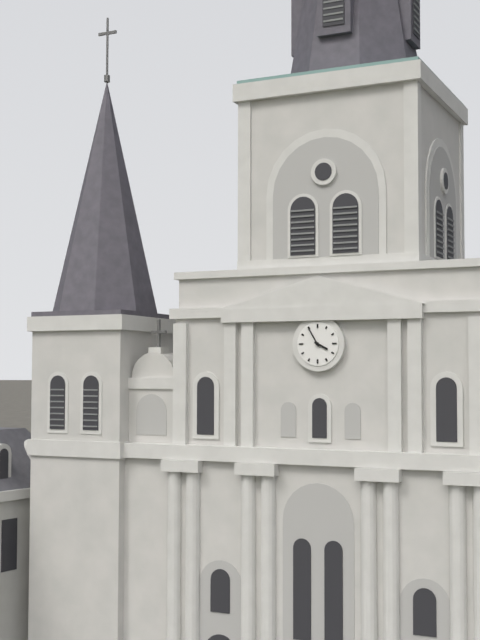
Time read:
3,55
